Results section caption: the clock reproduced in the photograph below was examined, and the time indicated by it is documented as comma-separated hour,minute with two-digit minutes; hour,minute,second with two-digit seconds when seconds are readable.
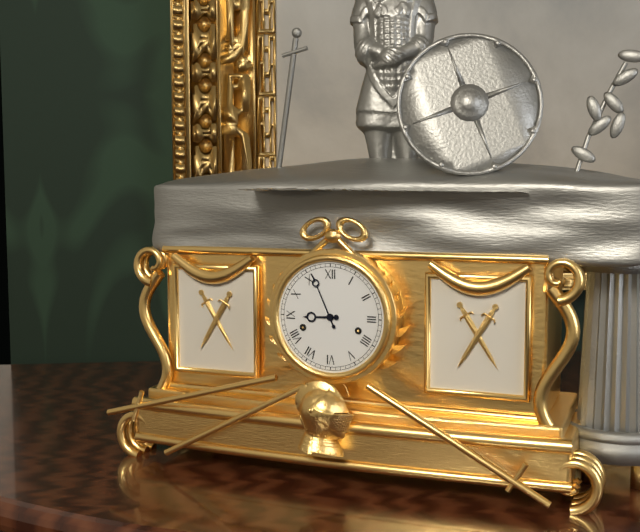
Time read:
8,56
